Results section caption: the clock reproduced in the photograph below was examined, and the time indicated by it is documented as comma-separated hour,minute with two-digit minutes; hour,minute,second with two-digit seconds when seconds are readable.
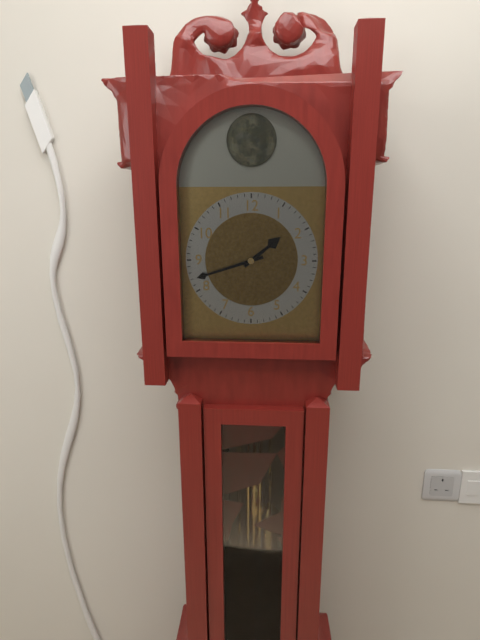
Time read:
1,42
